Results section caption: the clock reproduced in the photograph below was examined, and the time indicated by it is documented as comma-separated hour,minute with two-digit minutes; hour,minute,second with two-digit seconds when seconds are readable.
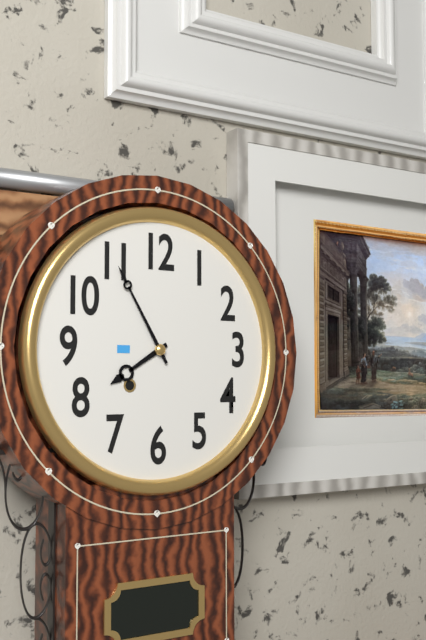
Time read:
7,55
